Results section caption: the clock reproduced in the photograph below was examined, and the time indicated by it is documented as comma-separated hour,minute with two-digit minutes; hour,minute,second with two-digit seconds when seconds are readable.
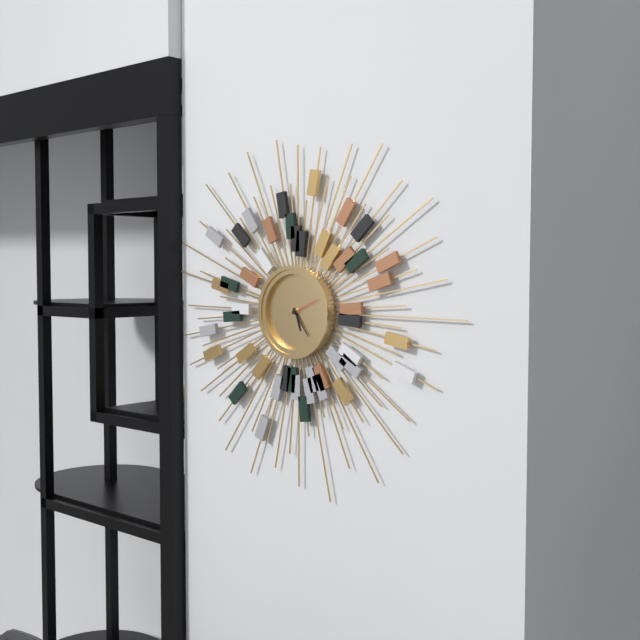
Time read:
5,24
